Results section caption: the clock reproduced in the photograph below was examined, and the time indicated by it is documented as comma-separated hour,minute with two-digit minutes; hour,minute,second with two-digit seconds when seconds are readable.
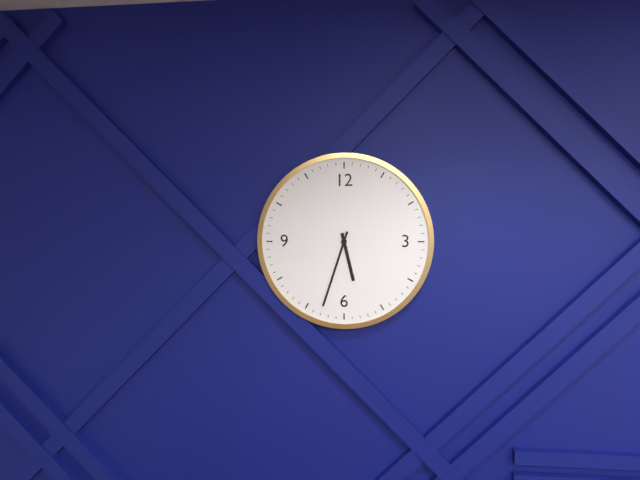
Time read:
5,33
